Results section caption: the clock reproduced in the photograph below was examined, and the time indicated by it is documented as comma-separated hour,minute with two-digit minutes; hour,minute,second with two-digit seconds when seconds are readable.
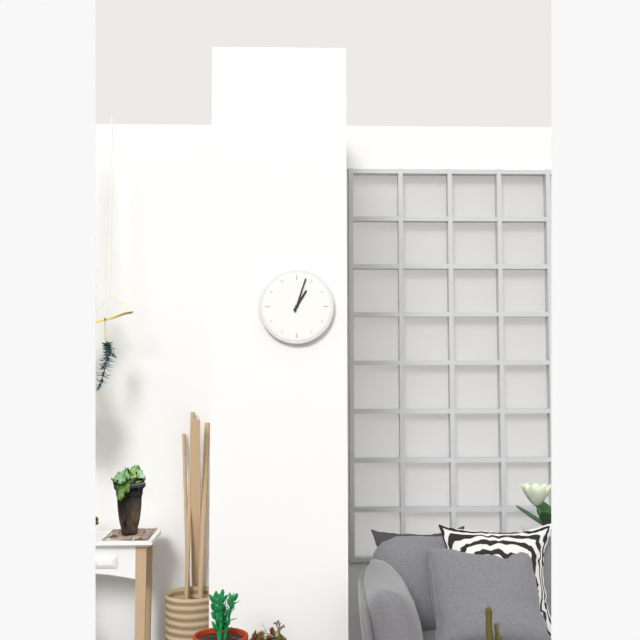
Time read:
1,03
